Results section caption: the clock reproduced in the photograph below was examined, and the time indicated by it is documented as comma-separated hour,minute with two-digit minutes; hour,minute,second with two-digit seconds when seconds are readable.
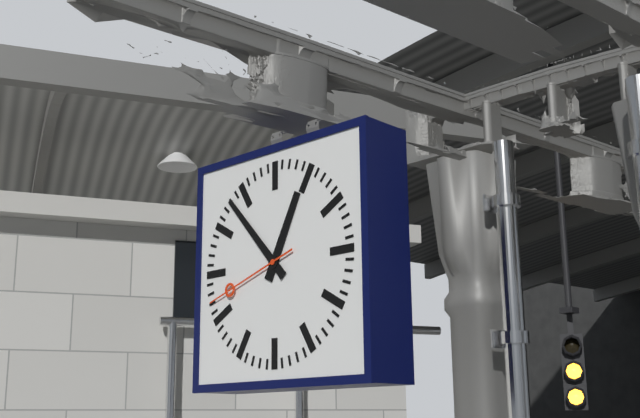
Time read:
12,53,42
